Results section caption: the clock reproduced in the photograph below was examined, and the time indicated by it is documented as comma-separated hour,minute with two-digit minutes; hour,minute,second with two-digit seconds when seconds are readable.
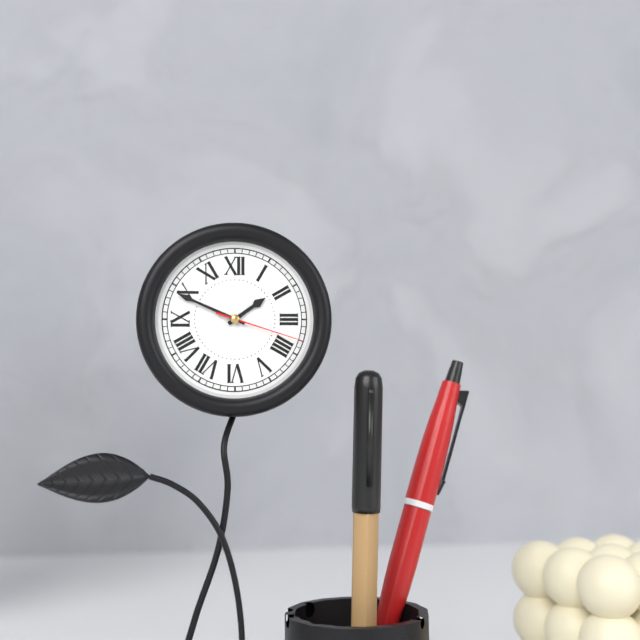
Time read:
1,49,18
